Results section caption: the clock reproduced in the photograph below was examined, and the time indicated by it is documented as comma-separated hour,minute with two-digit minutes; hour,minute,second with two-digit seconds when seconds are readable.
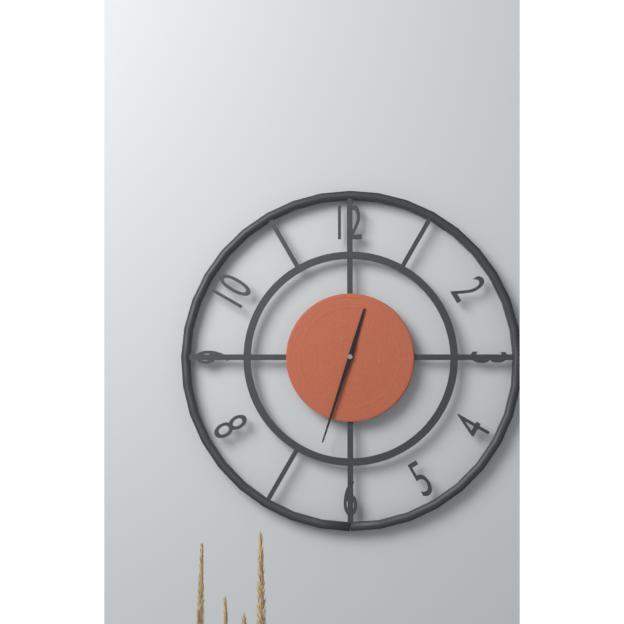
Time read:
12,33
